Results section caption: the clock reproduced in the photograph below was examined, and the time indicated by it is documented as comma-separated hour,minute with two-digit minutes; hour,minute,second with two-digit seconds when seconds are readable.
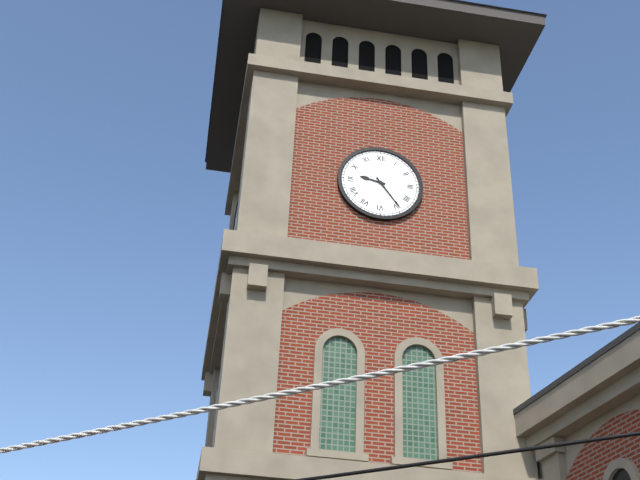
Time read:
9,24
